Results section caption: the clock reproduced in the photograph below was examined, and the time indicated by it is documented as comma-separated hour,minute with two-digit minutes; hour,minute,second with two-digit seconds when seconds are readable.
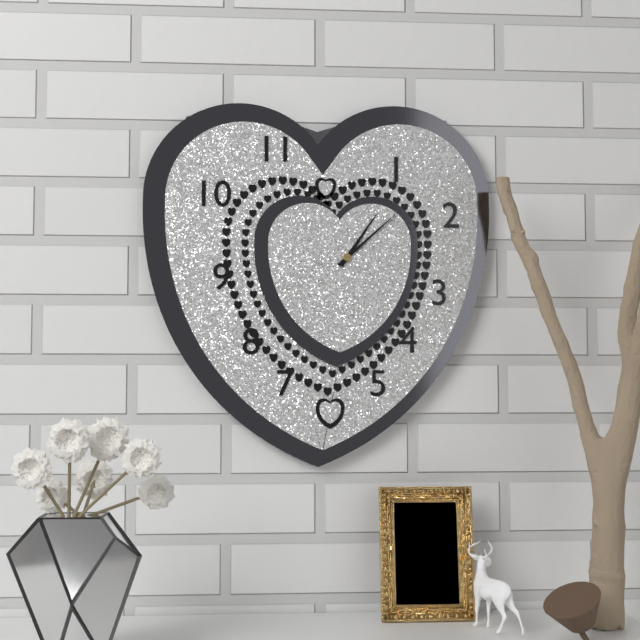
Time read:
1,08
